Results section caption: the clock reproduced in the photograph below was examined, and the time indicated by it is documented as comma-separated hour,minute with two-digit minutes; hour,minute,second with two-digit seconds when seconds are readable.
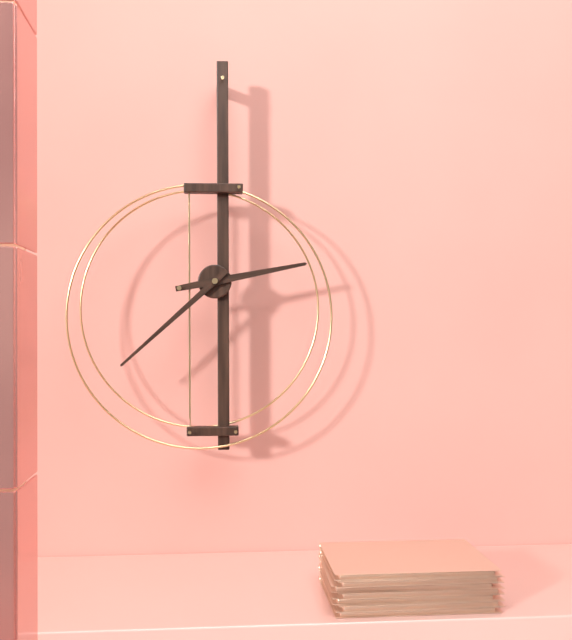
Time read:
2,38
